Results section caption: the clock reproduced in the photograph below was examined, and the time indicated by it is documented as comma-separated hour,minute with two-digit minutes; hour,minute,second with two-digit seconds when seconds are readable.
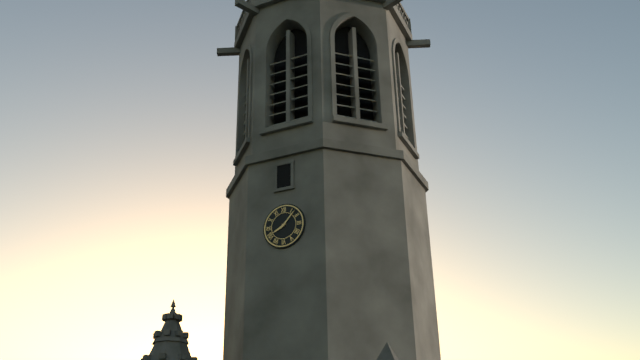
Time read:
8,07
